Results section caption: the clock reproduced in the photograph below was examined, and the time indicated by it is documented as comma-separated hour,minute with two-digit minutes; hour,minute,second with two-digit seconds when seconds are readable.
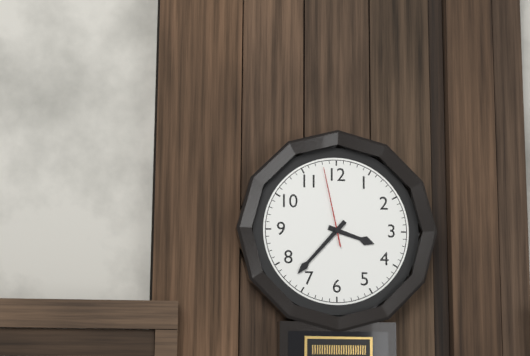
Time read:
3,37,58
